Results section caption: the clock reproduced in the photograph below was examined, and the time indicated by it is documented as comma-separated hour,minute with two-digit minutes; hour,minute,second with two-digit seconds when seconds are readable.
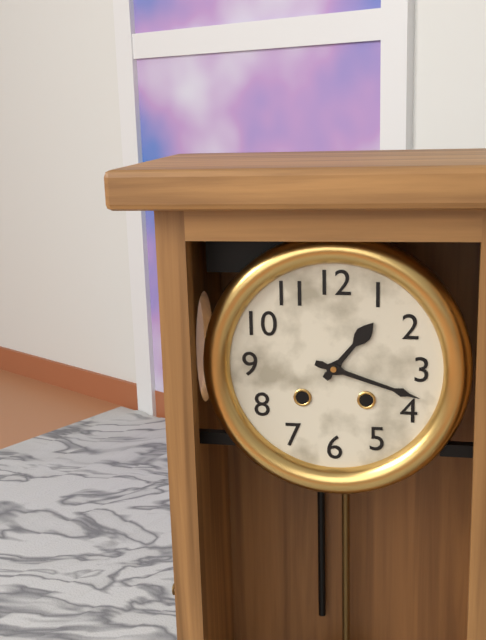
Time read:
1,18
